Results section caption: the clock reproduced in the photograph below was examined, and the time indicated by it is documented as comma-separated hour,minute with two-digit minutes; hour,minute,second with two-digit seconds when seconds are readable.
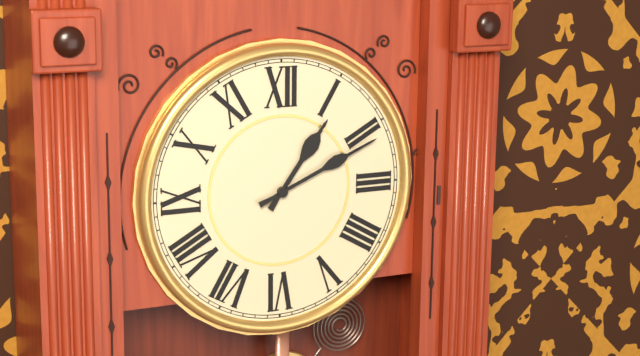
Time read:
1,11
